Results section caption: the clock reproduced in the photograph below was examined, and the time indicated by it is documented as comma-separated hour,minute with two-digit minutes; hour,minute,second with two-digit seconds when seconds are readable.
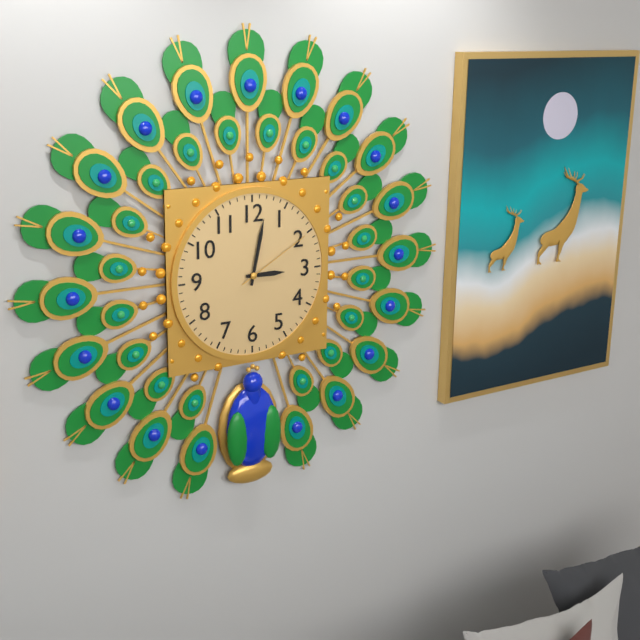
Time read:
3,02,10
